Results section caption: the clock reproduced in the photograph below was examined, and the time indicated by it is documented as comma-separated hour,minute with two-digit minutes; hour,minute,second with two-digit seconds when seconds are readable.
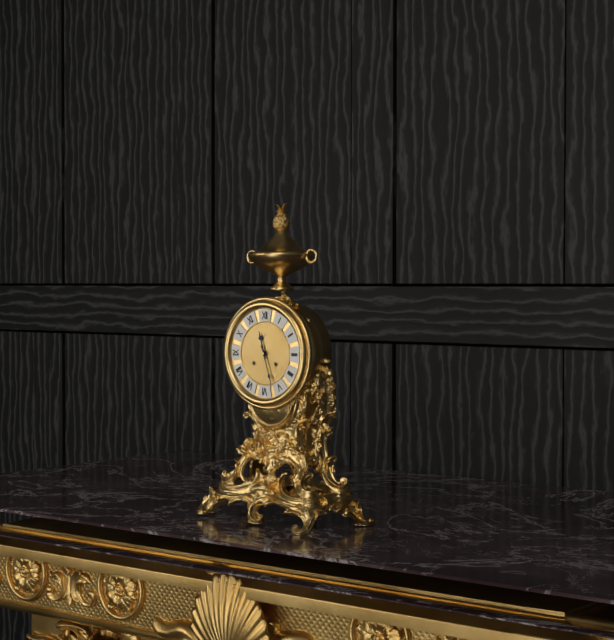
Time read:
11,27
